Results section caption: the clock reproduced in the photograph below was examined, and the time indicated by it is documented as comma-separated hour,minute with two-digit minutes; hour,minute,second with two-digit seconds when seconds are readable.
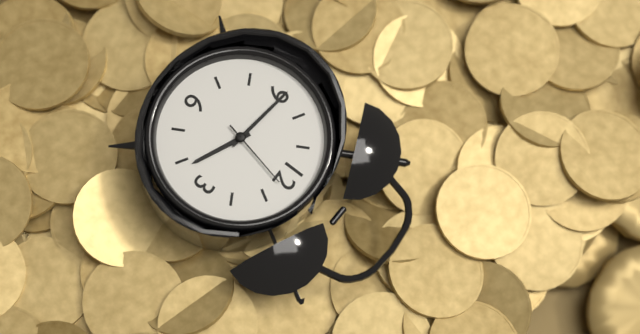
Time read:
3,46,02
